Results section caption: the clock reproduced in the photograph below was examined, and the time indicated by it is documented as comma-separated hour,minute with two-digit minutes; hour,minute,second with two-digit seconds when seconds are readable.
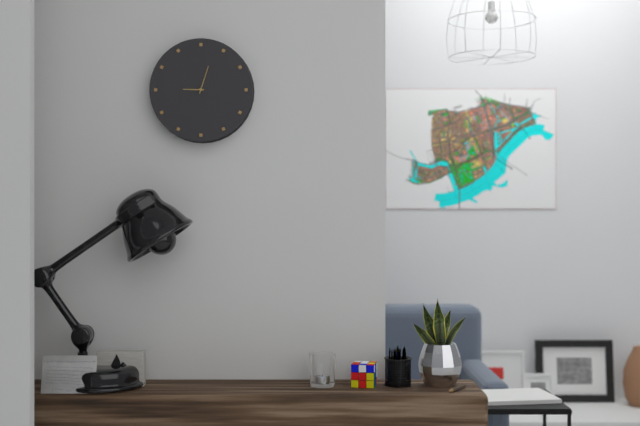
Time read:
9,03
